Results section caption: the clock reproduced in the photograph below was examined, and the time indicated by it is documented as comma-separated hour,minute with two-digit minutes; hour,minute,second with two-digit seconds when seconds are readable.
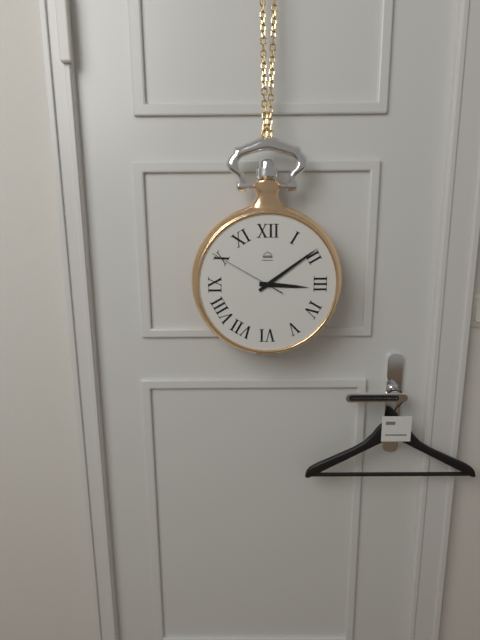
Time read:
3,09,50
